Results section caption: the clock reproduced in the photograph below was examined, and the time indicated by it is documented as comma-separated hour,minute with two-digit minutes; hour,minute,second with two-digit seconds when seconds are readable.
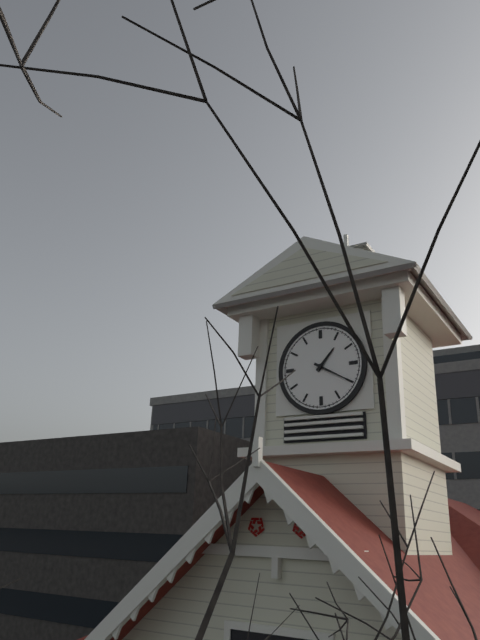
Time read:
1,20
